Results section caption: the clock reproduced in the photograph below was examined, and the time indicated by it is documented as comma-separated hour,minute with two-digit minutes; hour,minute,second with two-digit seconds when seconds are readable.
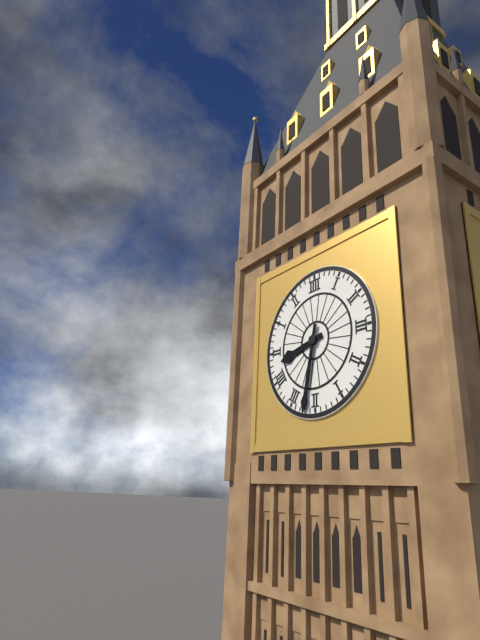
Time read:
8,32
